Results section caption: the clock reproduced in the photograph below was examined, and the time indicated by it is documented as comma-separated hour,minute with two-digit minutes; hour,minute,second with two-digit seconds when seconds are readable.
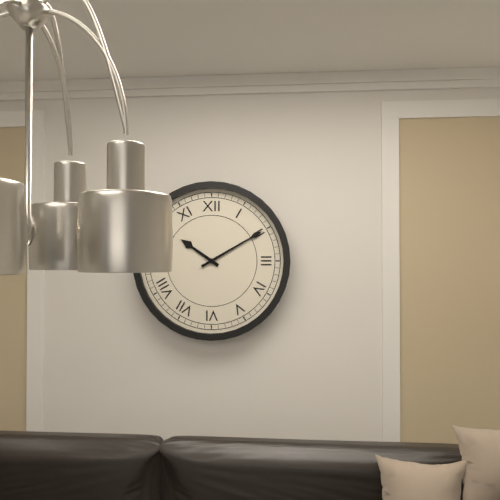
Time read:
10,10
